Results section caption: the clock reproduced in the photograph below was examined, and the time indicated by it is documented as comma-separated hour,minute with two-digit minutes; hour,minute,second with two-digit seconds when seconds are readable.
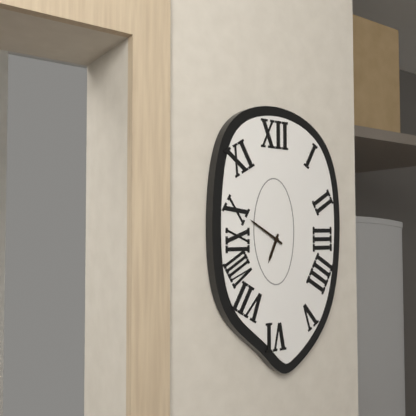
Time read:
6,50
